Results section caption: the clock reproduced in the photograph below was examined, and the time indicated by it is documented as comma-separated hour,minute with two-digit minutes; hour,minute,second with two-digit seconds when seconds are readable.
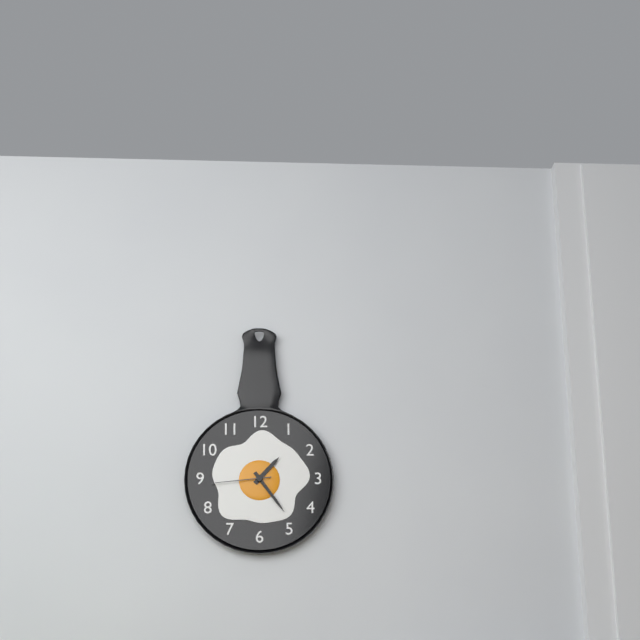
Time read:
1,24,44
